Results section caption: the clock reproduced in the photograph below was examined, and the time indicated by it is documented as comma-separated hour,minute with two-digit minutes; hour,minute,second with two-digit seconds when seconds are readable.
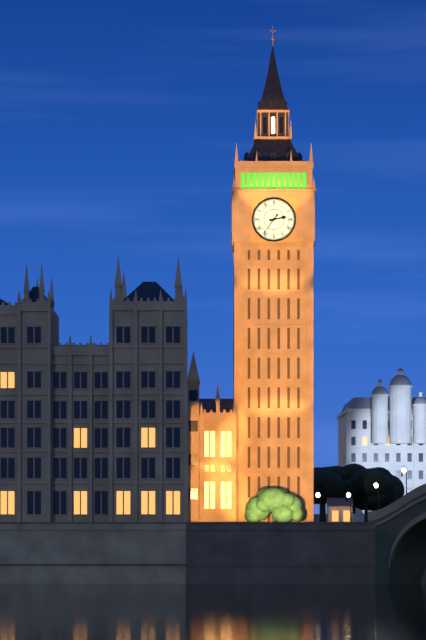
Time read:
2,36
